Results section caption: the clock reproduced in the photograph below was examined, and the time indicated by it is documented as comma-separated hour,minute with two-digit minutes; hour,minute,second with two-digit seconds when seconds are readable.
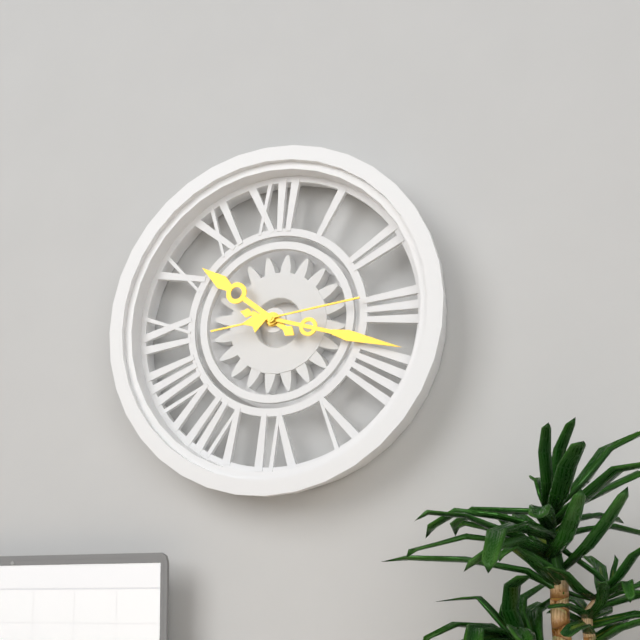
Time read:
10,18,14
